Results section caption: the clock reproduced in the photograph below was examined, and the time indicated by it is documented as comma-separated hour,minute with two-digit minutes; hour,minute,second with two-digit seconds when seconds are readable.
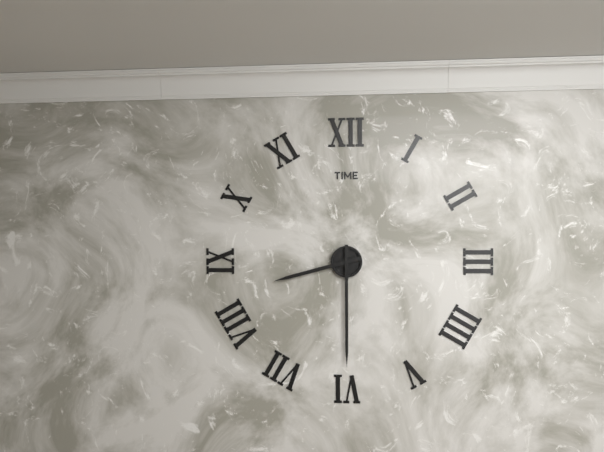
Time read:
8,30
